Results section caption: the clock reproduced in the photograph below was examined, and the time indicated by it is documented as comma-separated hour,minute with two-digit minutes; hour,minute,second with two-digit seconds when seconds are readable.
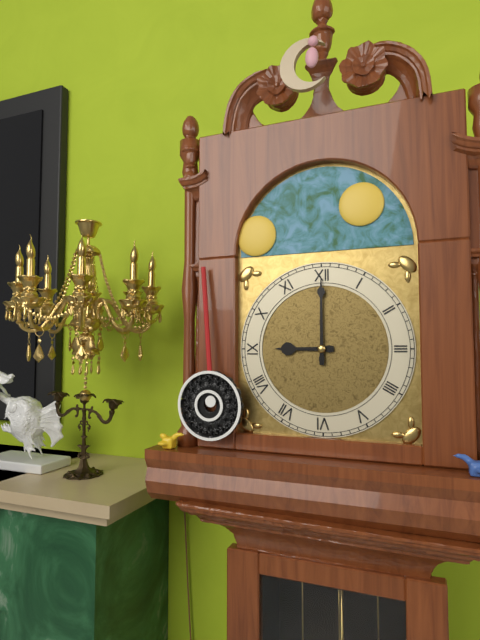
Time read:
9,00
